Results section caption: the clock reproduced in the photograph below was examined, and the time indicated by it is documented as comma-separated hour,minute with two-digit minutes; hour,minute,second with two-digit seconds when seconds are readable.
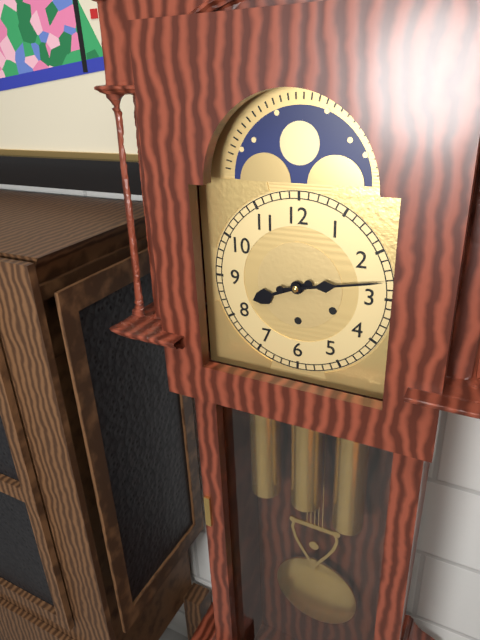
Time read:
8,13
